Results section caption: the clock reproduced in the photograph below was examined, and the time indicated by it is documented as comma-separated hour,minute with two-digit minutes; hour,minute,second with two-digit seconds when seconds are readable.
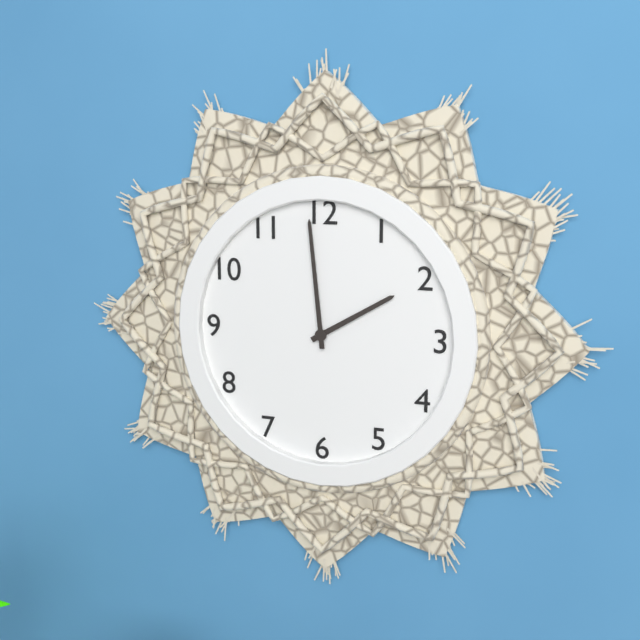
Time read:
1,59
